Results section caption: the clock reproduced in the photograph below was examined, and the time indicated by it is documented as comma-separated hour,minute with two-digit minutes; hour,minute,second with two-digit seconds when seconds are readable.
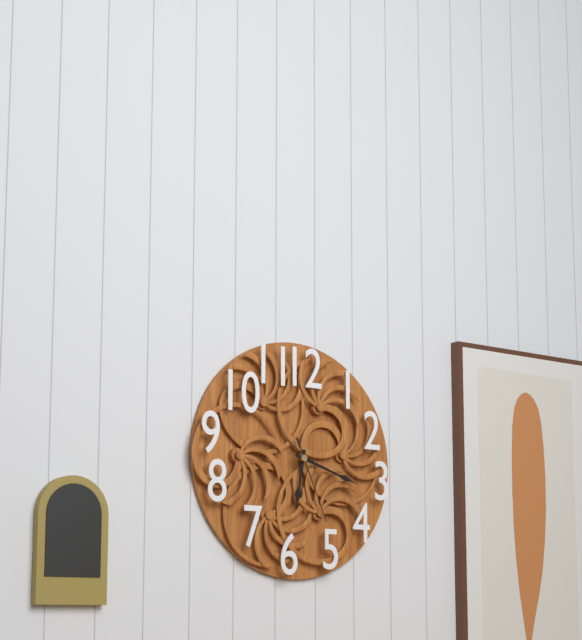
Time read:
6,18,26
